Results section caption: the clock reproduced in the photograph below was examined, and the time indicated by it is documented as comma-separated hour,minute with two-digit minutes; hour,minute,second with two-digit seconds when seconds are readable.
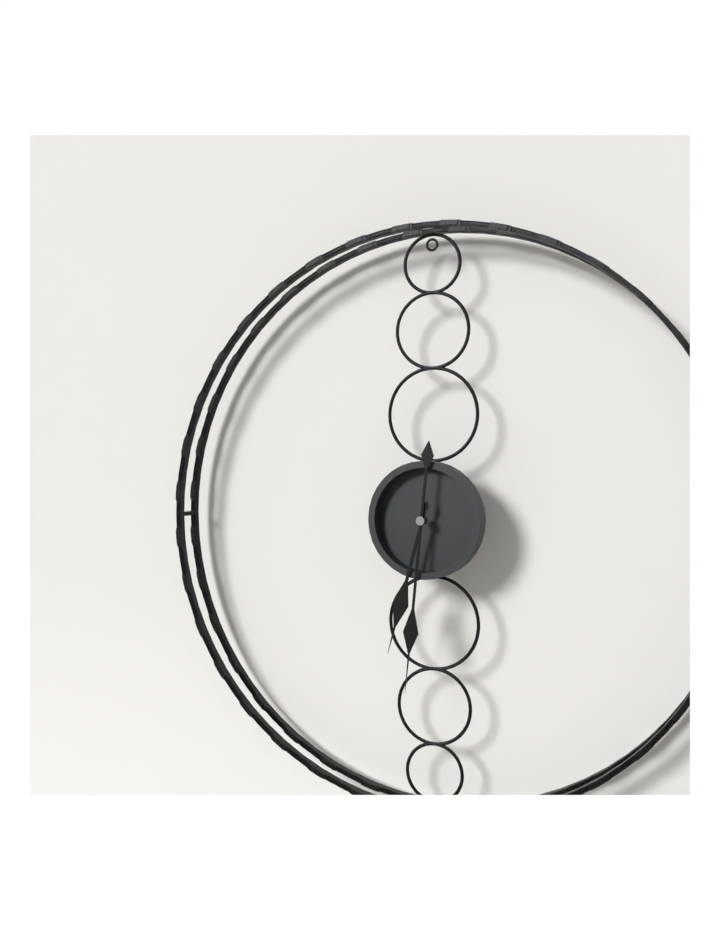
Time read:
6,31
